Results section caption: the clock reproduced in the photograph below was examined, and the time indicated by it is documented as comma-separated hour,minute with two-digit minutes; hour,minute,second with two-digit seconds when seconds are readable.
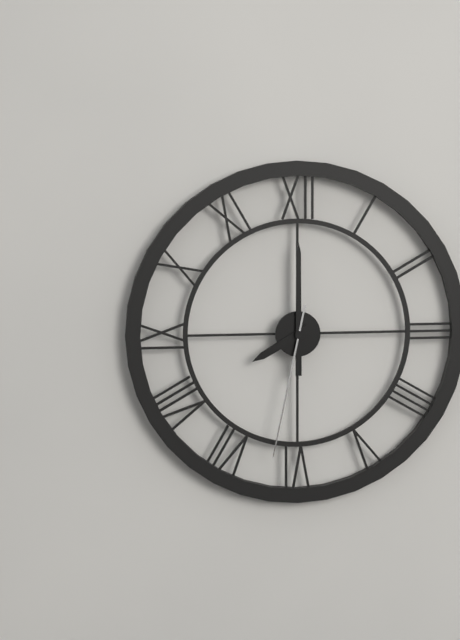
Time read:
8,00,32
